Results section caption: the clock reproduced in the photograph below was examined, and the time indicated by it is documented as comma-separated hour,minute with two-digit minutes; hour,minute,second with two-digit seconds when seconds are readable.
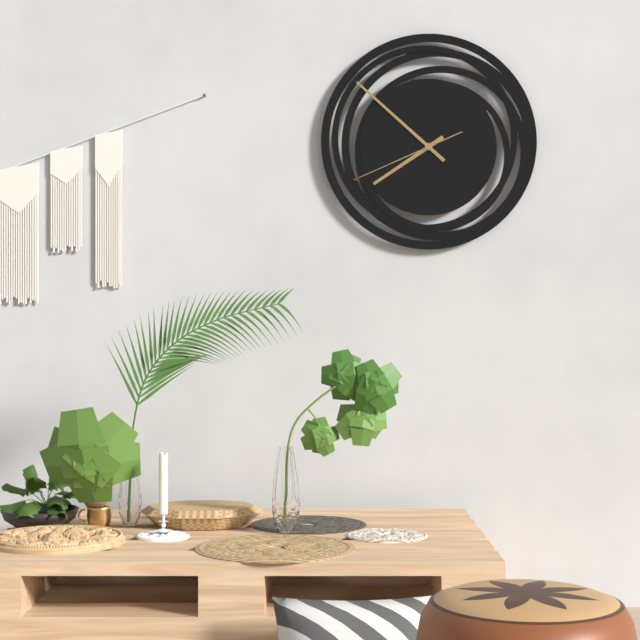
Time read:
7,52,41
